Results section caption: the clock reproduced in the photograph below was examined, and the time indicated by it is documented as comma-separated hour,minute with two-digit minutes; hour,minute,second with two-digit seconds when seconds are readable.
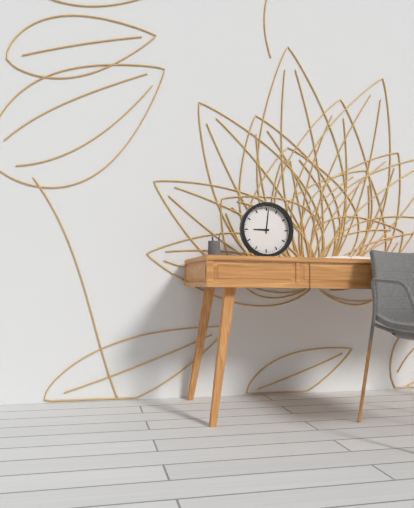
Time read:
9,01
